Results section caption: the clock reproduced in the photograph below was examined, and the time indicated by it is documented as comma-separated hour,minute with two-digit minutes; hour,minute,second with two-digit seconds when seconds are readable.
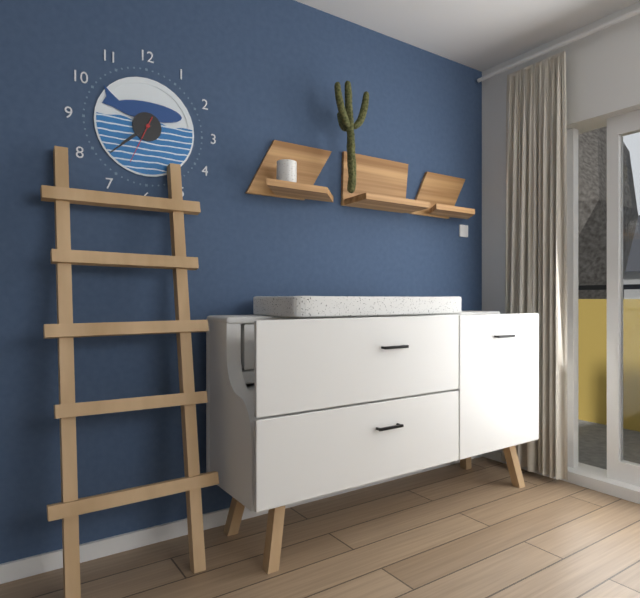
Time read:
7,38,34
